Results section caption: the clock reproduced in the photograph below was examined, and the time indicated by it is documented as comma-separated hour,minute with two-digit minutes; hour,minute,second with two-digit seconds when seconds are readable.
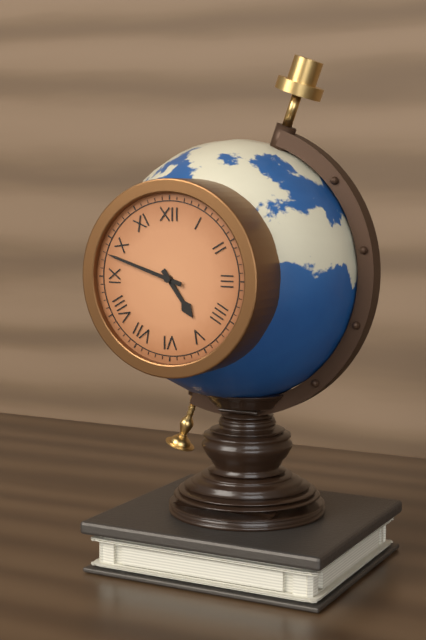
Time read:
4,48
